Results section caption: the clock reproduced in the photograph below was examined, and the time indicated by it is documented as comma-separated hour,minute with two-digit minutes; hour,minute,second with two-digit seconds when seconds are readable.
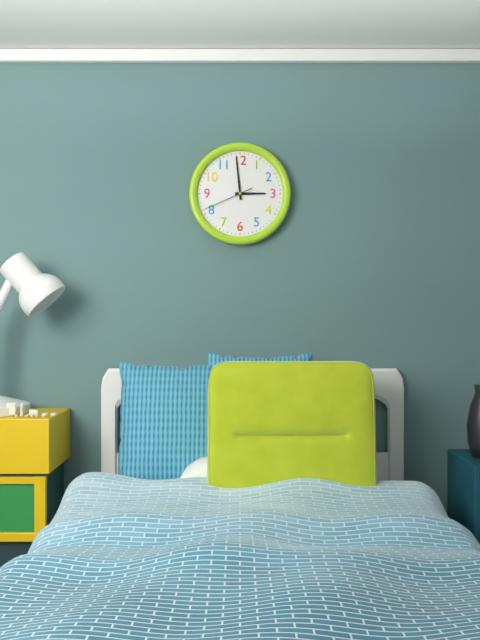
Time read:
2,59,41
